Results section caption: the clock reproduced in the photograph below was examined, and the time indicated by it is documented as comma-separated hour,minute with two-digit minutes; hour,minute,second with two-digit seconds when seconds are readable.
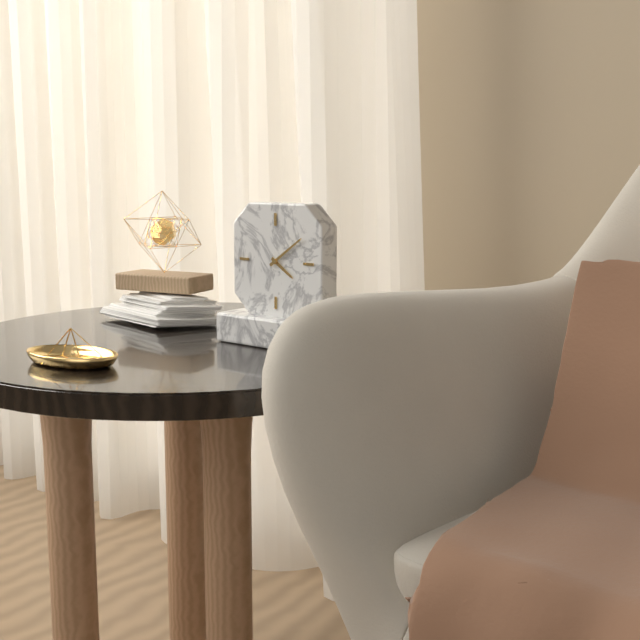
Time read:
4,09
